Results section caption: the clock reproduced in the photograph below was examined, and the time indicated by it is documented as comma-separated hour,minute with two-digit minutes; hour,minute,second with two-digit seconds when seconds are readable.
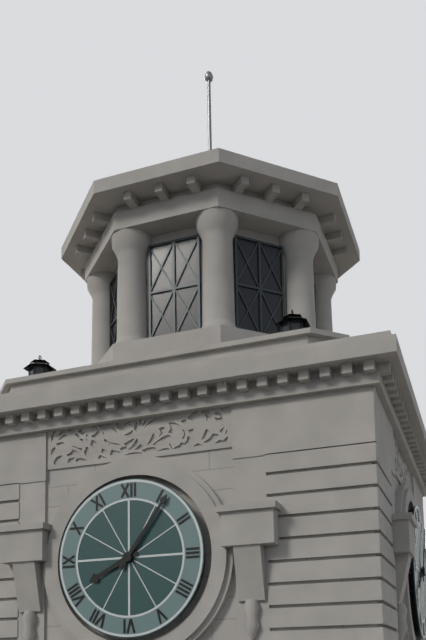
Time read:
8,06
